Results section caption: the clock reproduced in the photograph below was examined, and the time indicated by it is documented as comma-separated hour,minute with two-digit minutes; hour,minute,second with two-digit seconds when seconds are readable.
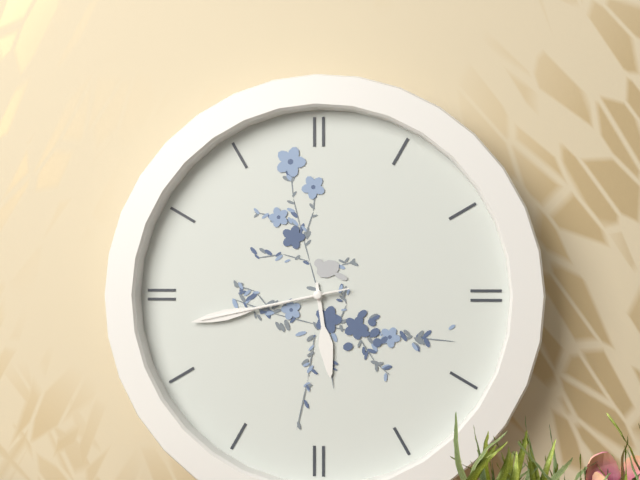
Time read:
5,43,43
